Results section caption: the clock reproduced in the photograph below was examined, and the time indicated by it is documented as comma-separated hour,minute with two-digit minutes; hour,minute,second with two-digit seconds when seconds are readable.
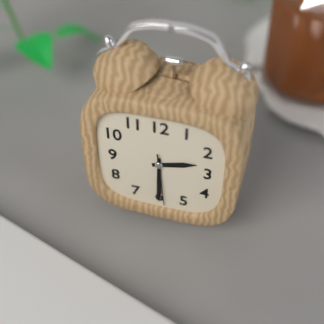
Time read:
2,30
